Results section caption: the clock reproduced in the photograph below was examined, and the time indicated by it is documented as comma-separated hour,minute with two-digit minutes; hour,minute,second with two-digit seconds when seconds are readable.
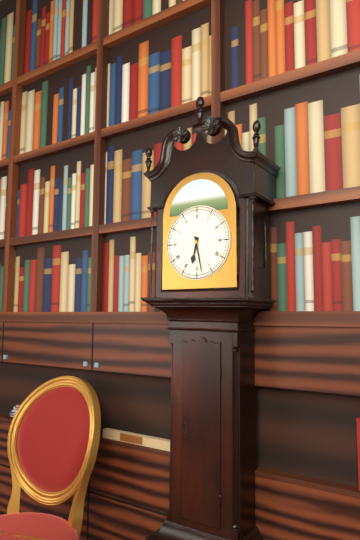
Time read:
6,28
